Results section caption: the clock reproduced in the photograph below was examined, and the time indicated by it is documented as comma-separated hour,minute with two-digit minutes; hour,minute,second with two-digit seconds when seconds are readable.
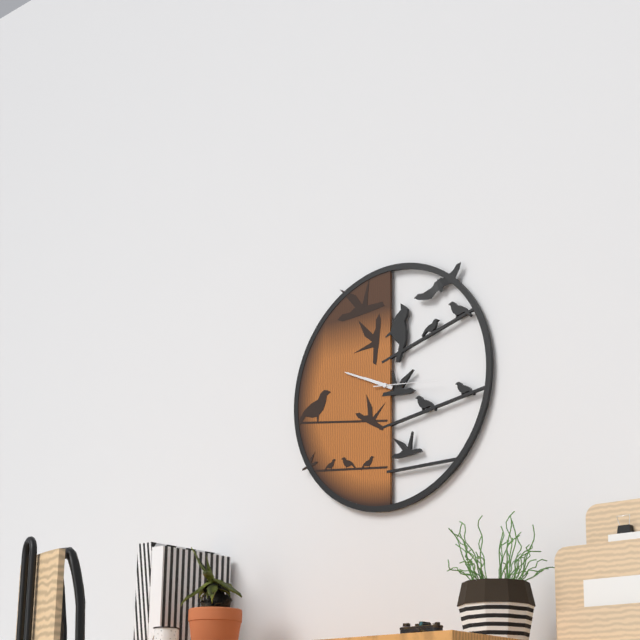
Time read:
9,49,16
